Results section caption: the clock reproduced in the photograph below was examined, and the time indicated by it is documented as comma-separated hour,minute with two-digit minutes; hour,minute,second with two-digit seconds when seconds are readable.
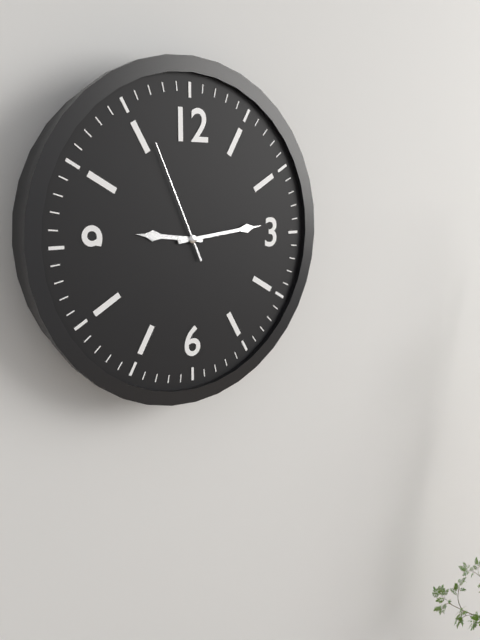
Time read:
9,14,56
